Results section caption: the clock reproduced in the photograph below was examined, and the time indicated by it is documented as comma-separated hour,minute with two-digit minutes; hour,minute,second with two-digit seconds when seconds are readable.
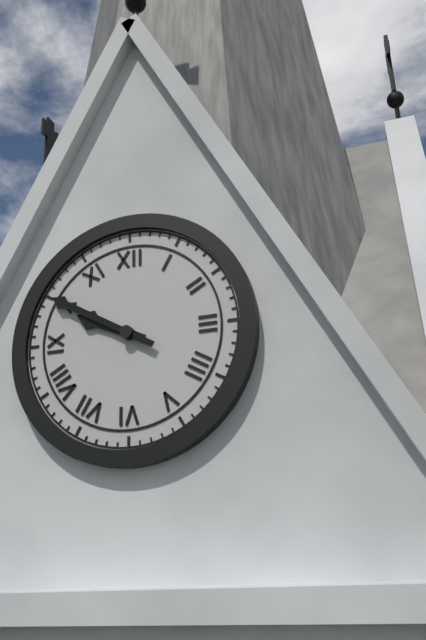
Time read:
9,50
